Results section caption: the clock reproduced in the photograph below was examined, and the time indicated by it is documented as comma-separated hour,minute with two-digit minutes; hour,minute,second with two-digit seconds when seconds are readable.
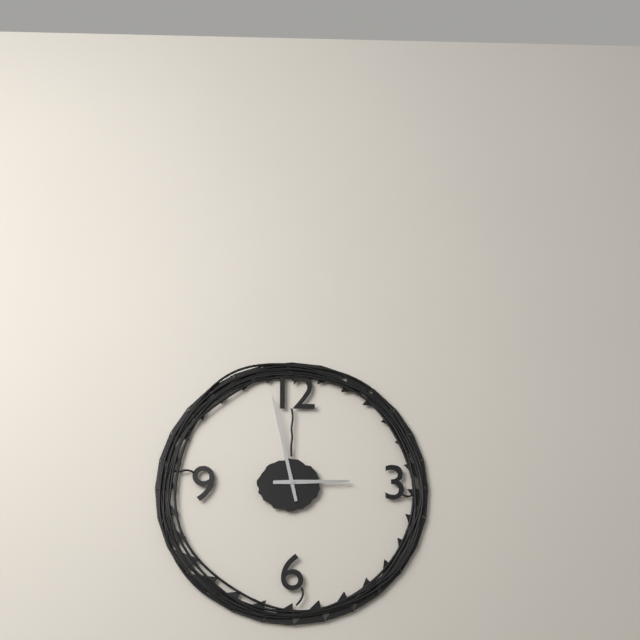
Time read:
2,58
